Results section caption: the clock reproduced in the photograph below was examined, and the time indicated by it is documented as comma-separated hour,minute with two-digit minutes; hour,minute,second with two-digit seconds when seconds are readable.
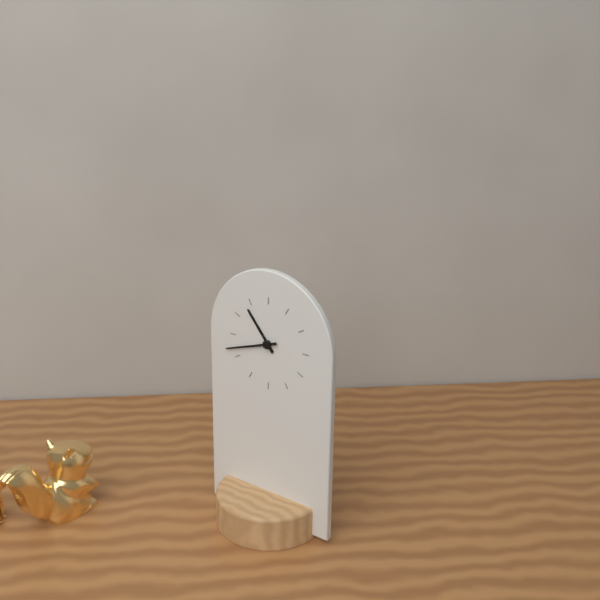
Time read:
10,42
